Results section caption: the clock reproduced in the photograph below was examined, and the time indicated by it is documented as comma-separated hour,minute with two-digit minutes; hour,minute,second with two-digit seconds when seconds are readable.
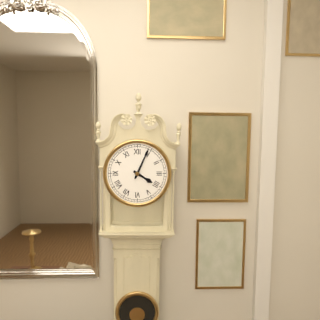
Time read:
4,04
